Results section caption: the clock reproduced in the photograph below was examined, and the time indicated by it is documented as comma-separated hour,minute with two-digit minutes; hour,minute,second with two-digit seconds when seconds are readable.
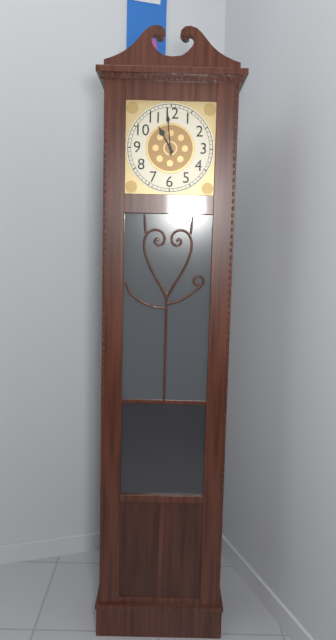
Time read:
10,59
